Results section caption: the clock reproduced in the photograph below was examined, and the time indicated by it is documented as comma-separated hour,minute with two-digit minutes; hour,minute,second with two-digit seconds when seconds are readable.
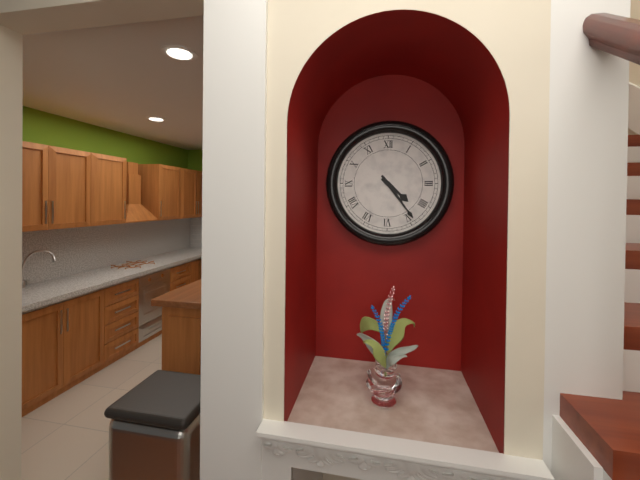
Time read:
4,24
